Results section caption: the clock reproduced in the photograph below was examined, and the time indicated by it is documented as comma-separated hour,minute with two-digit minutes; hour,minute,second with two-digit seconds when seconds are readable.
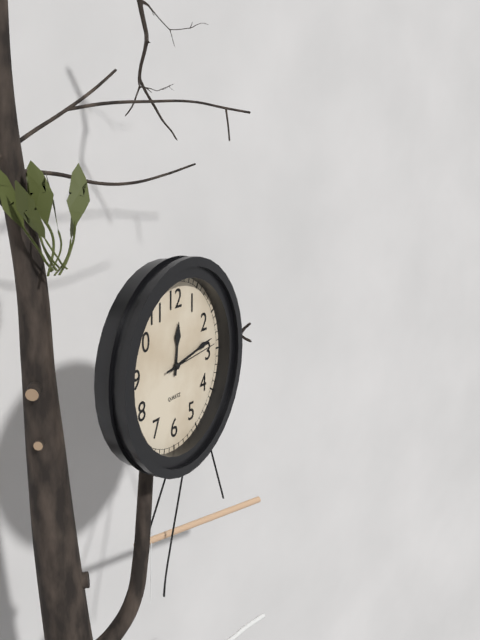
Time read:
12,13,14
